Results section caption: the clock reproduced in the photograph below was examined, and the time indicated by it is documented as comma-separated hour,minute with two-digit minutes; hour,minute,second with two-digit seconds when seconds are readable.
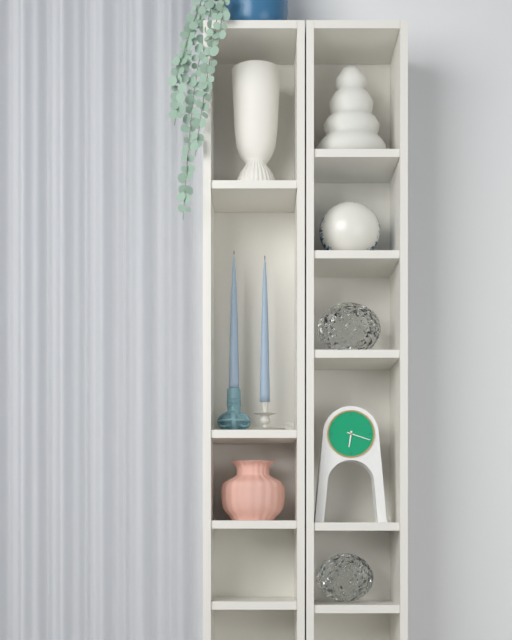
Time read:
6,18
